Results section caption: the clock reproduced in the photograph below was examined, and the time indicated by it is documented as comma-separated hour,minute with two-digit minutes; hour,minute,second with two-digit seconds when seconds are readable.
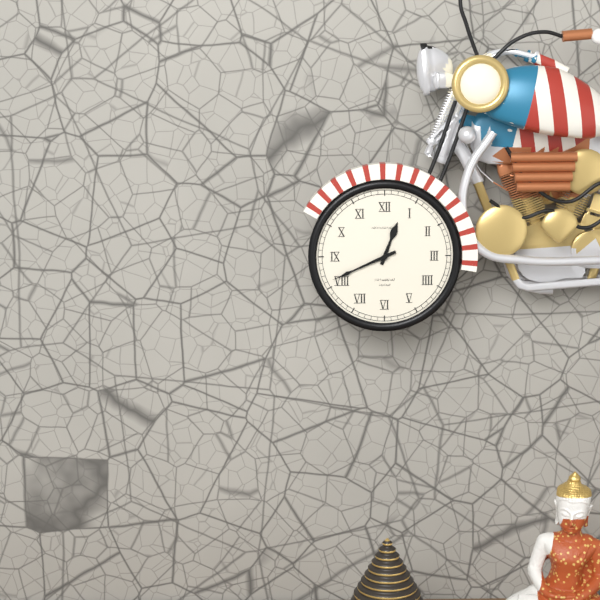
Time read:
12,41
